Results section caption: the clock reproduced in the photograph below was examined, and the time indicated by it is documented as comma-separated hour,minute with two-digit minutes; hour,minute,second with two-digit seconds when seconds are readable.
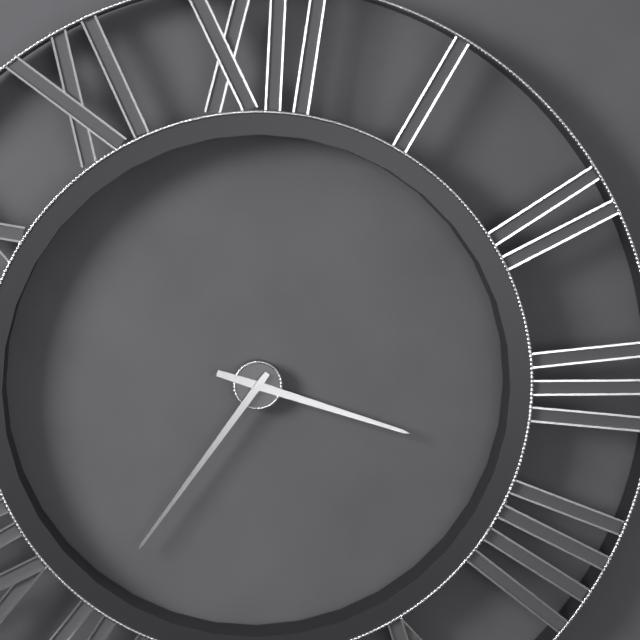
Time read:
3,36
